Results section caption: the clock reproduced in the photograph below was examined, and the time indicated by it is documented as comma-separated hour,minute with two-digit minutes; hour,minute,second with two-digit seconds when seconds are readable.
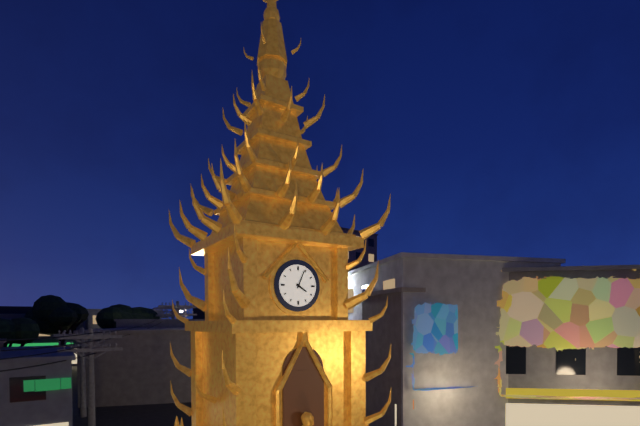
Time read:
4,04
